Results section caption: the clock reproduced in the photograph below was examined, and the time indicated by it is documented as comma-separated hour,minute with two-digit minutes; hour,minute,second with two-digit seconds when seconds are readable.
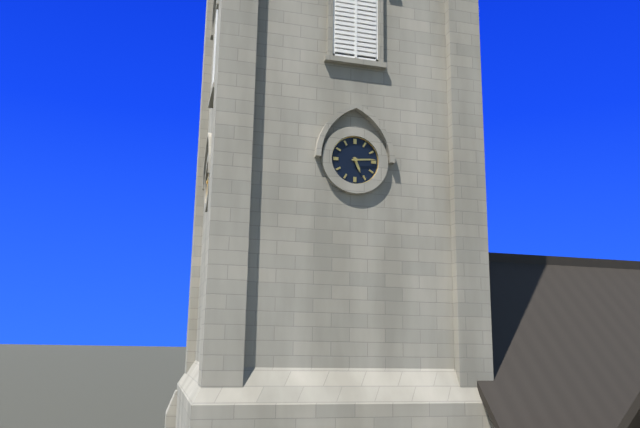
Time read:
5,14
